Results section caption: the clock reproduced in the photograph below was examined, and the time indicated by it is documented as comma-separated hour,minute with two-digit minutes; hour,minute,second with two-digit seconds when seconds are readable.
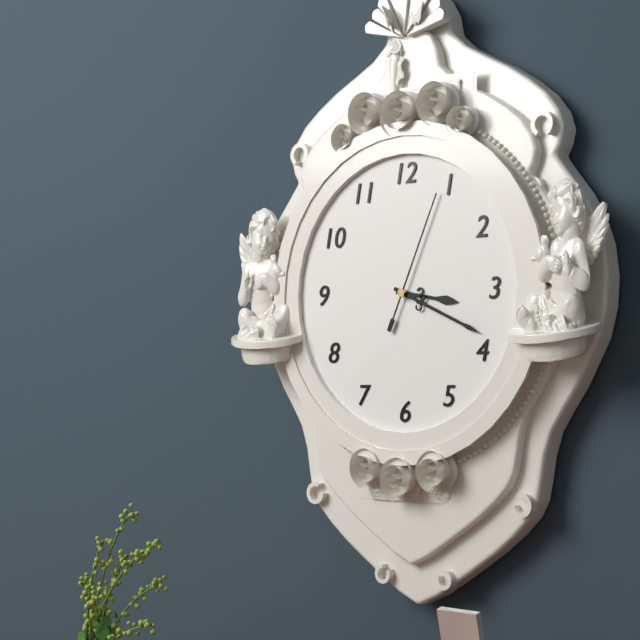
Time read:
3,19,04
